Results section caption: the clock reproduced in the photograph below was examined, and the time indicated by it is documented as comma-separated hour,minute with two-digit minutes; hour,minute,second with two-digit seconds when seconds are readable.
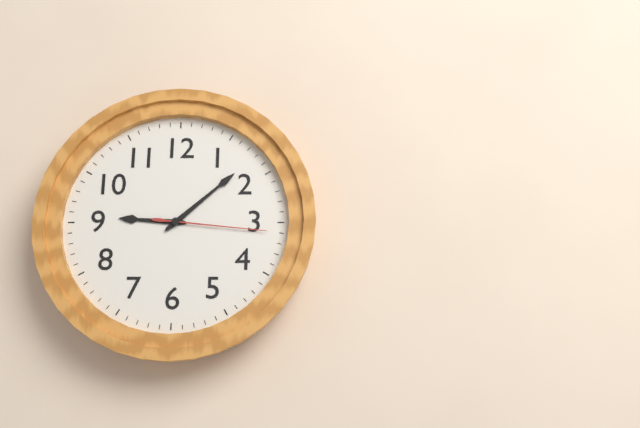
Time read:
9,08,16
